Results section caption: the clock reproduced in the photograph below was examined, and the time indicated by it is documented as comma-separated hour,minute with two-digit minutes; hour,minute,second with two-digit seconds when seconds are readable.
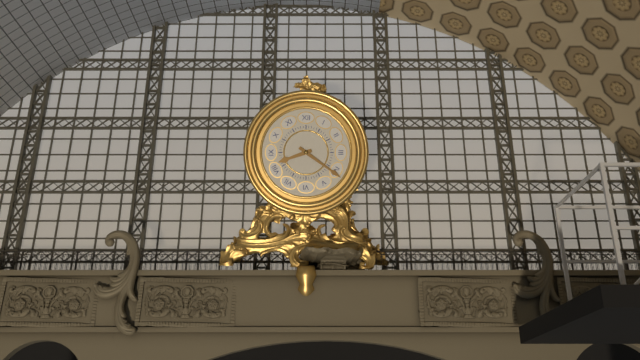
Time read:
8,21
